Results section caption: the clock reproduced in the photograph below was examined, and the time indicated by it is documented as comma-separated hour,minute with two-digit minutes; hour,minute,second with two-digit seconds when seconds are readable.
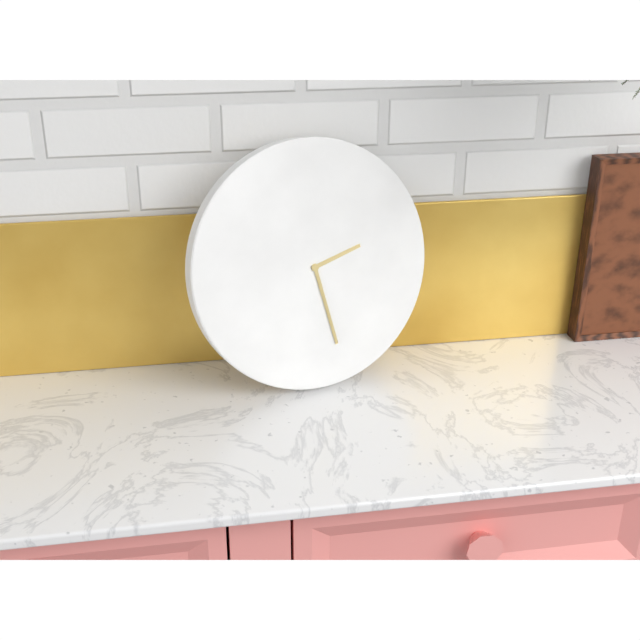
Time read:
2,28
